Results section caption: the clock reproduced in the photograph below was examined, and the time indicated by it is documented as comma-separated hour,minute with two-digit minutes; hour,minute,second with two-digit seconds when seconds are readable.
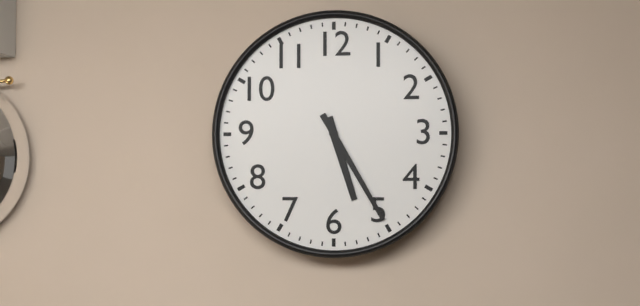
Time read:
5,25
